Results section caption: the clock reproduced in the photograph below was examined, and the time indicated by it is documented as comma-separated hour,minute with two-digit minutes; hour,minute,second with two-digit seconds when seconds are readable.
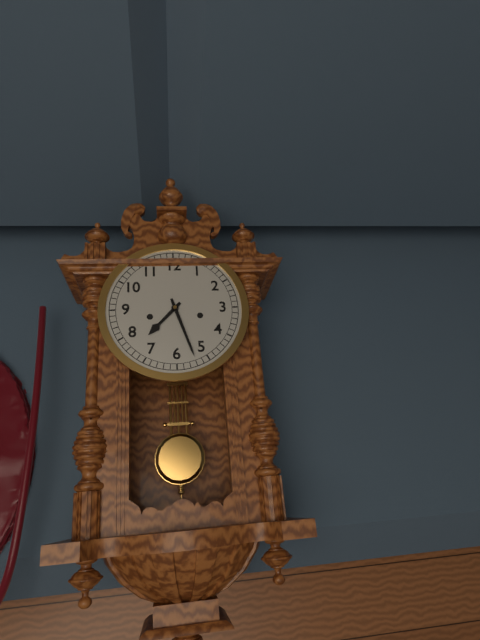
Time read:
7,27
